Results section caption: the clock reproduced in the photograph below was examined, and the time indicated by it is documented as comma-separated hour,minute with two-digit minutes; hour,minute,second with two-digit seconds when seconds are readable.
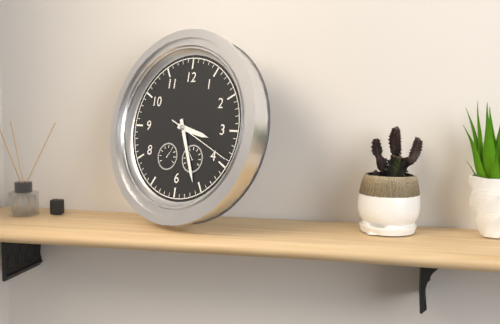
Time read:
3,26,19
